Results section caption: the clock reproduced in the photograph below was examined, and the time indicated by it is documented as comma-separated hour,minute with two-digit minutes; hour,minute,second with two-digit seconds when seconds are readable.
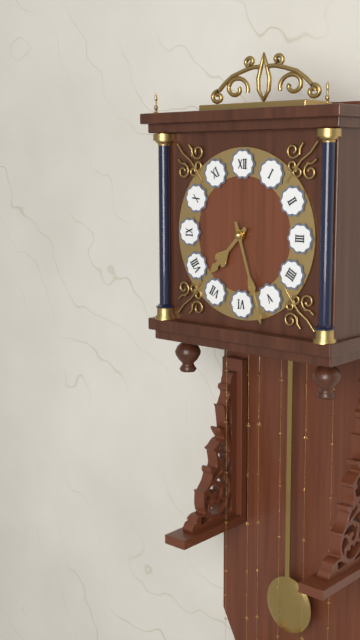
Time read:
7,27
